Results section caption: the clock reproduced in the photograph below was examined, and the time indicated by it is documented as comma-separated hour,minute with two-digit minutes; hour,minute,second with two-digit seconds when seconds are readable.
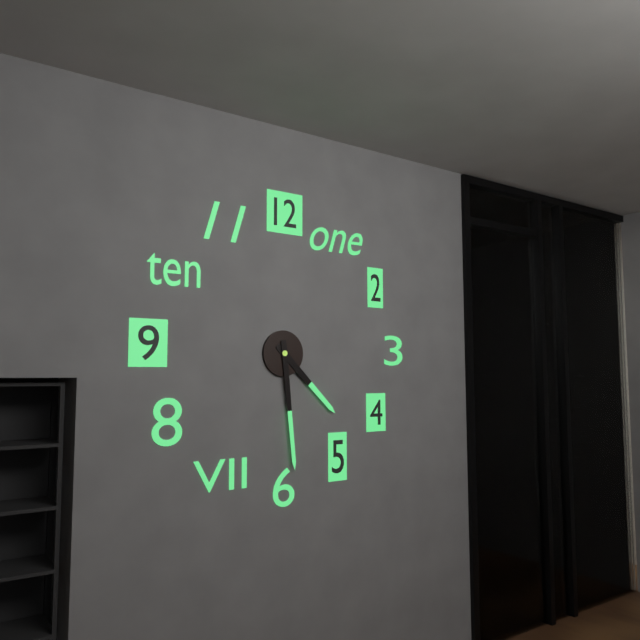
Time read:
4,29
